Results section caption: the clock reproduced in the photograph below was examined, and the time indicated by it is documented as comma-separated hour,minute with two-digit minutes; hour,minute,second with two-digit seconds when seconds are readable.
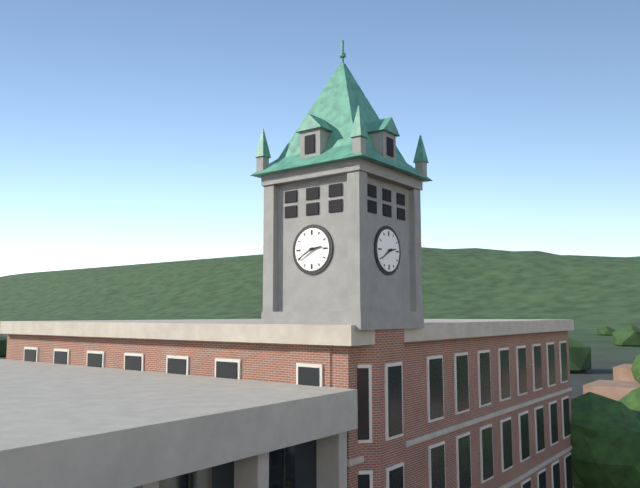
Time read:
2,40
